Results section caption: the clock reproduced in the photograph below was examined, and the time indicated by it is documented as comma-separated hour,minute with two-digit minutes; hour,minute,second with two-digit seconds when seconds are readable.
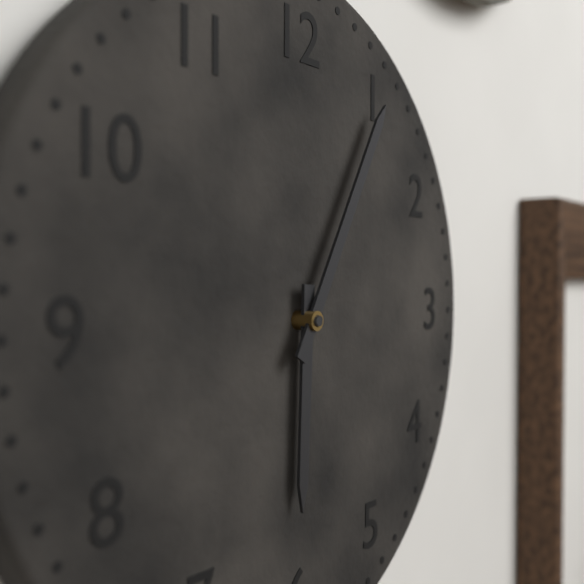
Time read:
6,05
